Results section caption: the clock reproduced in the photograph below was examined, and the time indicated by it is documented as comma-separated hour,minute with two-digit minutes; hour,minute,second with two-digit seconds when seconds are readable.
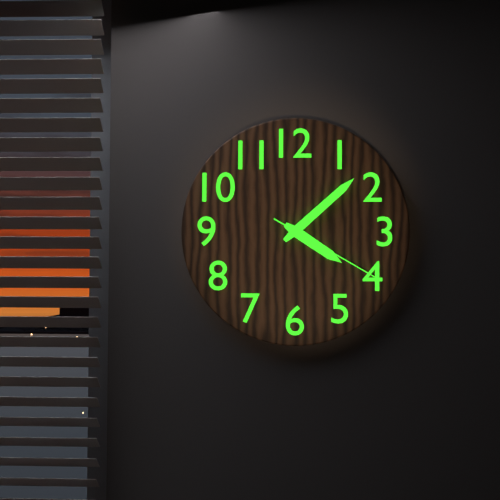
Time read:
4,08,20
